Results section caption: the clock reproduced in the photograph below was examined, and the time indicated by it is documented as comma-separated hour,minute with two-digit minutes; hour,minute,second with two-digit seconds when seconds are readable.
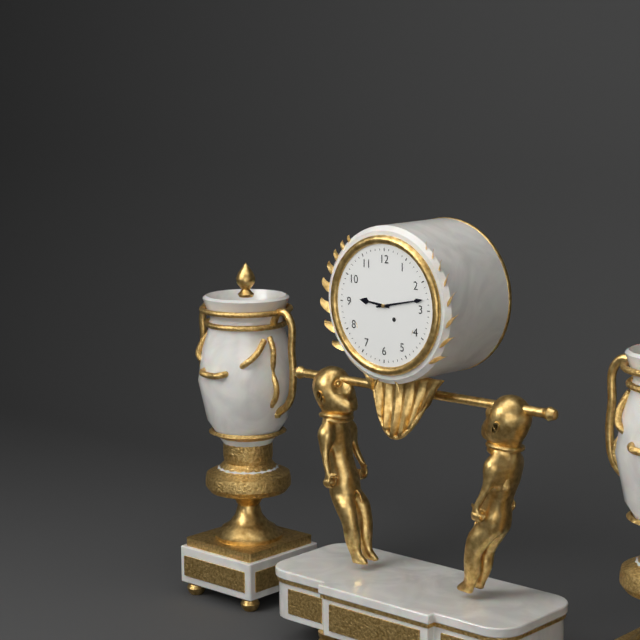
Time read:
9,13
